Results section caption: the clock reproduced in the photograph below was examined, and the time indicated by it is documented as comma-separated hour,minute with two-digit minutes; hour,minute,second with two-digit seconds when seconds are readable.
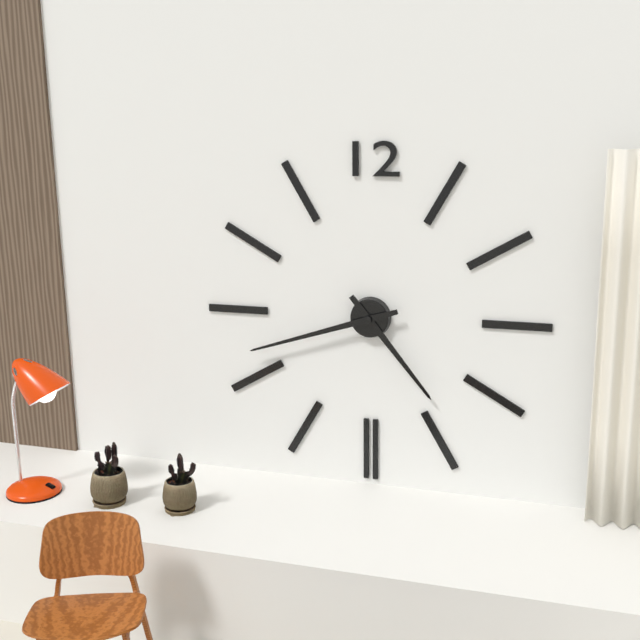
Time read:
4,42
